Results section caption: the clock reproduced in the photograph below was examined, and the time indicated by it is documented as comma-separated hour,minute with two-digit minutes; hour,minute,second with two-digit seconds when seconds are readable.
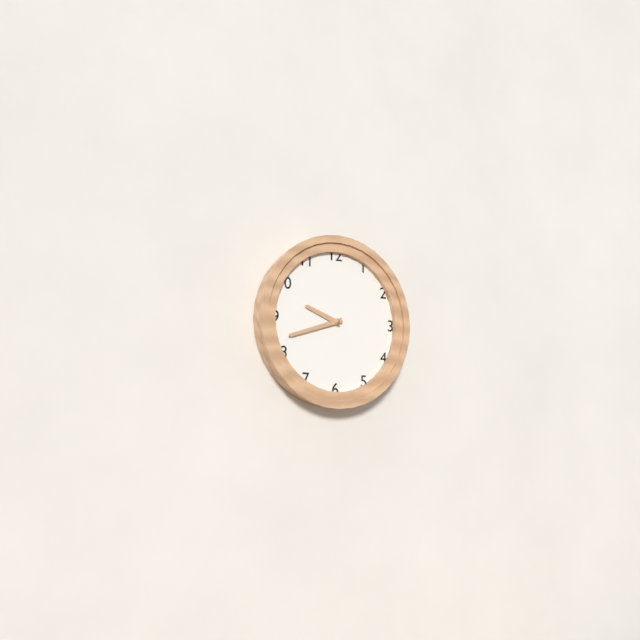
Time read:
9,42
